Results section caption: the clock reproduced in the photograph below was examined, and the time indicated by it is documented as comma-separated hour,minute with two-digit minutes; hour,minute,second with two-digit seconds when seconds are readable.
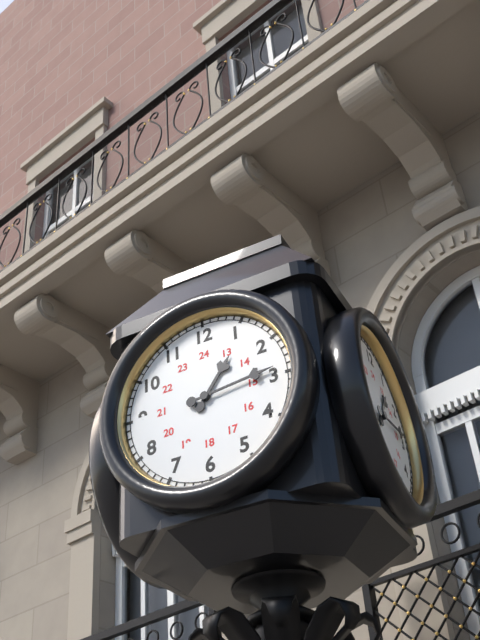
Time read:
1,14
